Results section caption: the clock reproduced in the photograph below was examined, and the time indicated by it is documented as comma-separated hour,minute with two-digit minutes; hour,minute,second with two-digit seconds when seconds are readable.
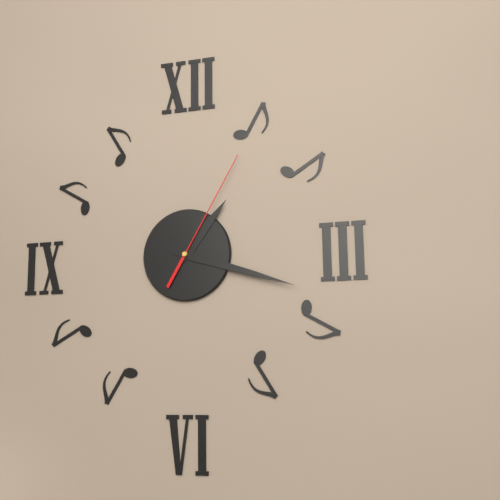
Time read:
1,18,05
